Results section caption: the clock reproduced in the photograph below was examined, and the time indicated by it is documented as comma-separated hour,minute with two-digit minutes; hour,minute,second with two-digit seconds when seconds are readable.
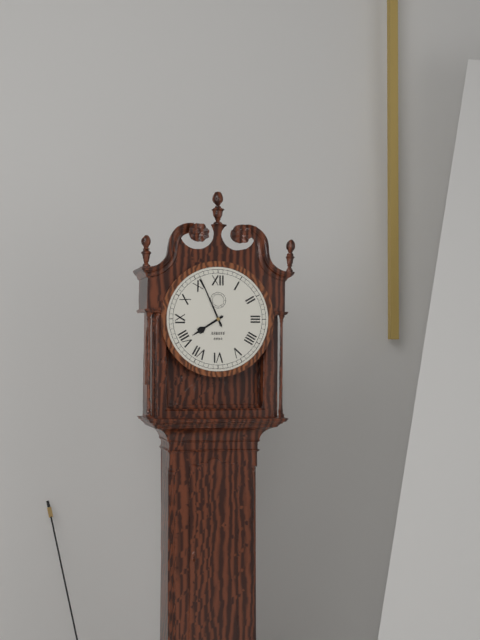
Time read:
7,56
